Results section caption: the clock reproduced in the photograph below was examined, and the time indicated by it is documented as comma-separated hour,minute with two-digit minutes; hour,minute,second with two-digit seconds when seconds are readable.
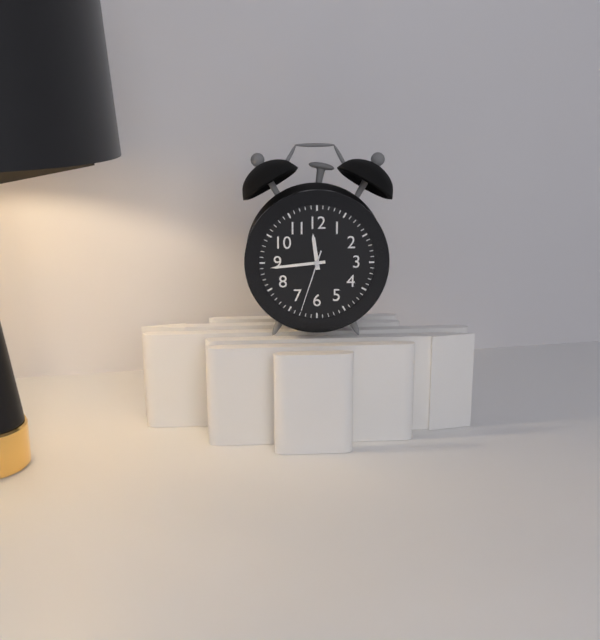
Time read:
11,44,33
